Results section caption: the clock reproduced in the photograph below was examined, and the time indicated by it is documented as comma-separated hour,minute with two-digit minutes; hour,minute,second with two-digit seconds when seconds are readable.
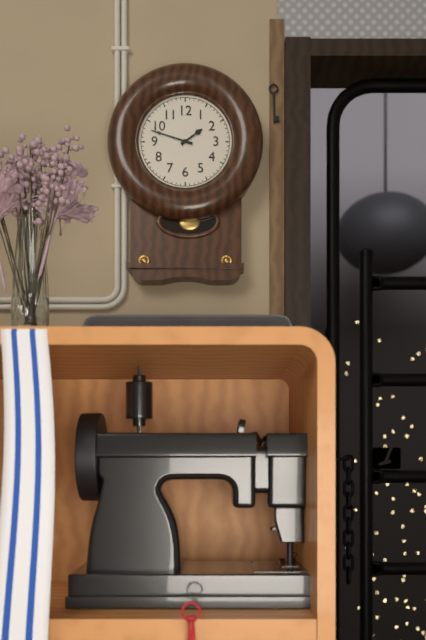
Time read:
1,48
